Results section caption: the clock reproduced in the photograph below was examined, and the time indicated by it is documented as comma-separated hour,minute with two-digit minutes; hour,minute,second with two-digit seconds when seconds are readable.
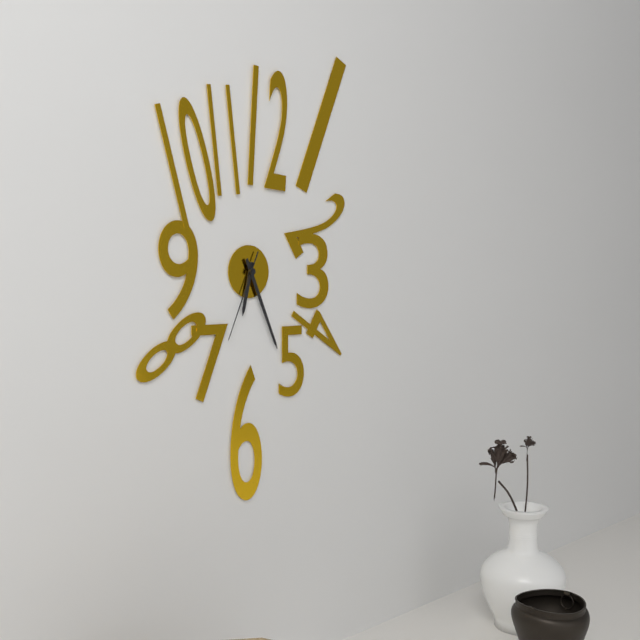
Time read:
6,26,34
